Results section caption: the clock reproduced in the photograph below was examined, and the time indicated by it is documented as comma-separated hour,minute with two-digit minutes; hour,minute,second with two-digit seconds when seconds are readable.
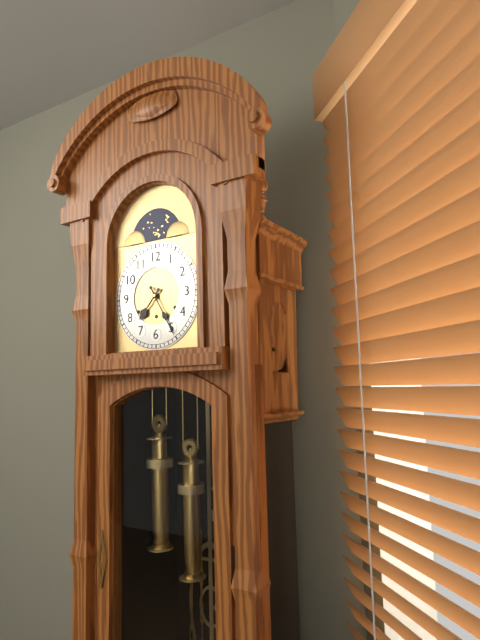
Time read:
7,25
